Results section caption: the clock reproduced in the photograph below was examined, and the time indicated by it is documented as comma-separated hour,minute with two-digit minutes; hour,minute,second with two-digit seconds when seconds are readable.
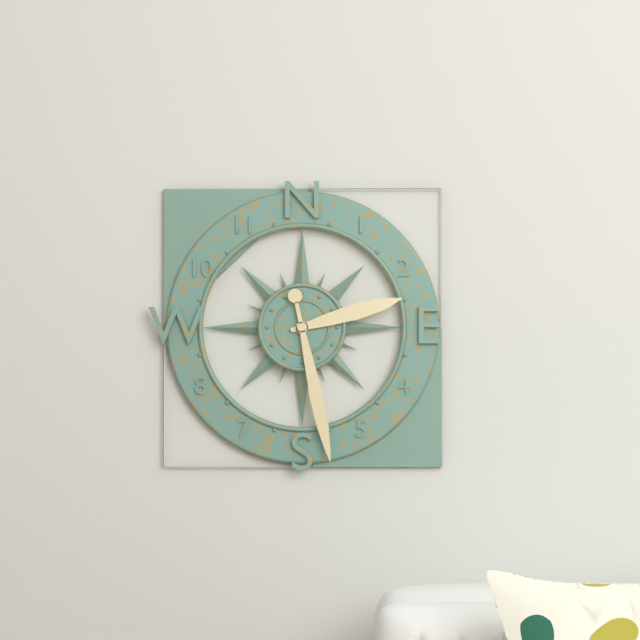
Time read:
2,28
